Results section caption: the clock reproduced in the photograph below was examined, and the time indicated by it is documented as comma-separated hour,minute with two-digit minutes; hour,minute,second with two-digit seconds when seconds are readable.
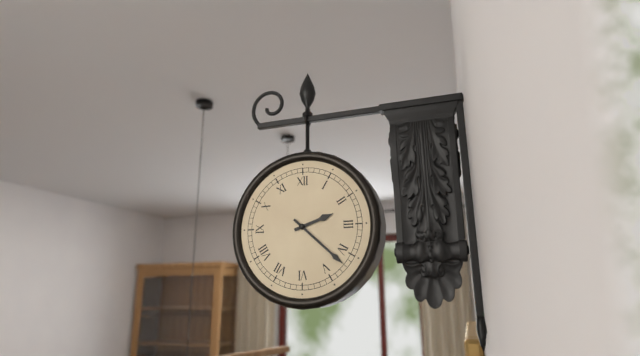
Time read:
2,22
